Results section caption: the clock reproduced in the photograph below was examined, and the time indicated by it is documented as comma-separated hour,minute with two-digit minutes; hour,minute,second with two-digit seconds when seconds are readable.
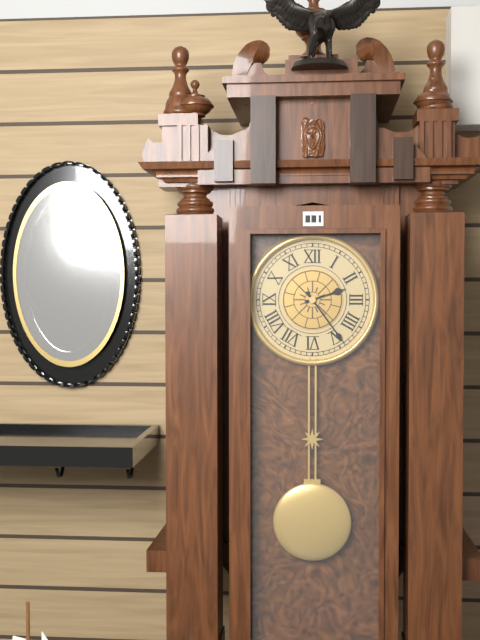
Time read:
2,24
